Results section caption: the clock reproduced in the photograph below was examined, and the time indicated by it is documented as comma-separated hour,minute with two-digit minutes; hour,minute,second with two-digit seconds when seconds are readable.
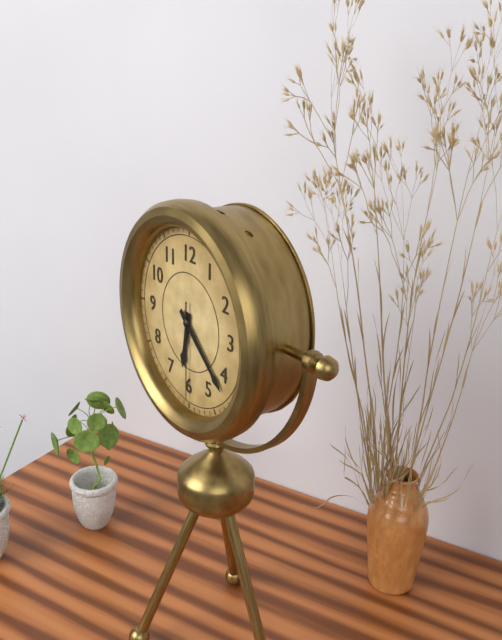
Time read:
6,22,30
